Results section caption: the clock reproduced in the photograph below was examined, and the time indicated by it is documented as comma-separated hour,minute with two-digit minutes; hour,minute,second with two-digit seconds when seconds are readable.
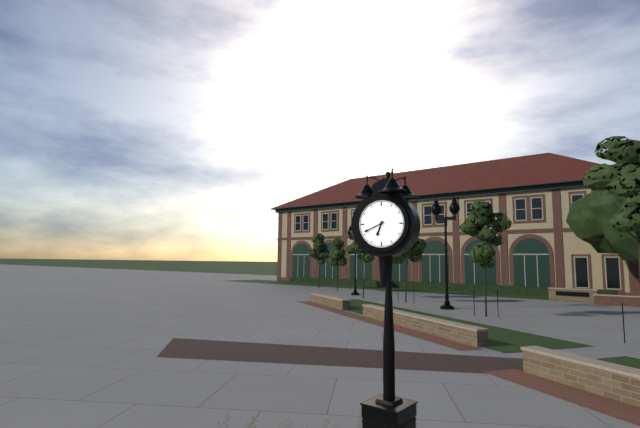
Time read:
6,41
